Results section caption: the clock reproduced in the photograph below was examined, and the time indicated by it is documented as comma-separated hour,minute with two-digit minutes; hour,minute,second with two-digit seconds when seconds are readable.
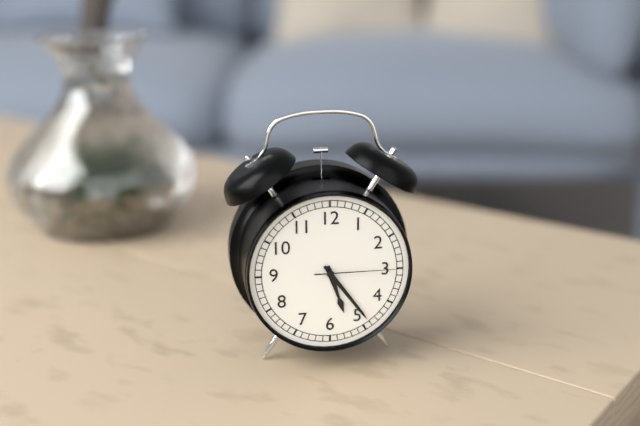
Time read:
5,24,15
